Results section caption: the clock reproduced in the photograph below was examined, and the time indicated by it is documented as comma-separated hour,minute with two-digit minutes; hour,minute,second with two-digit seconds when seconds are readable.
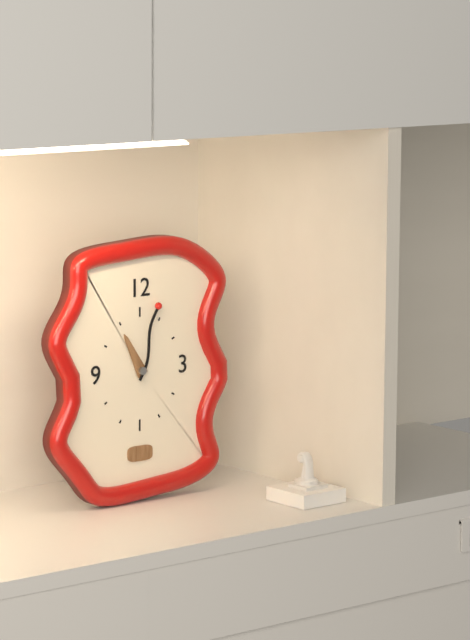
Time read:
11,03
